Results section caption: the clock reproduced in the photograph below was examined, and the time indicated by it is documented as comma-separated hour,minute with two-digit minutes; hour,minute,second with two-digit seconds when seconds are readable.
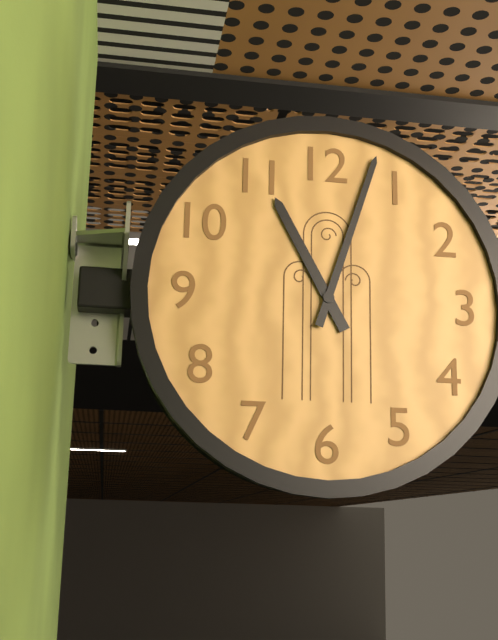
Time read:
11,03
